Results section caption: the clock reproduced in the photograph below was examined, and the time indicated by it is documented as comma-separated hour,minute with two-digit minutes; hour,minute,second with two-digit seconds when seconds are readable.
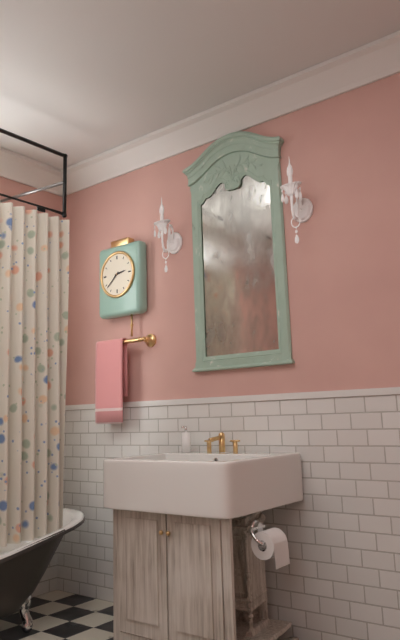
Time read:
2,38
